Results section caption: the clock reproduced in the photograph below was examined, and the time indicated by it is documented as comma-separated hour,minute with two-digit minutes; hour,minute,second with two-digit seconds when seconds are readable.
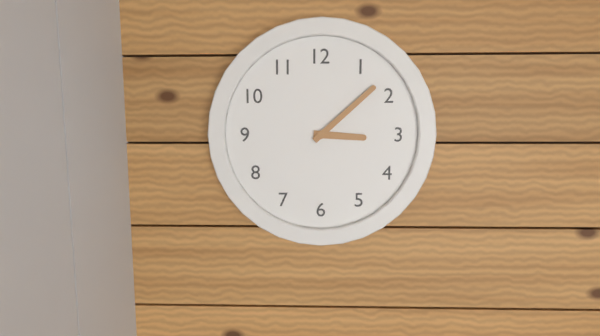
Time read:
3,08
